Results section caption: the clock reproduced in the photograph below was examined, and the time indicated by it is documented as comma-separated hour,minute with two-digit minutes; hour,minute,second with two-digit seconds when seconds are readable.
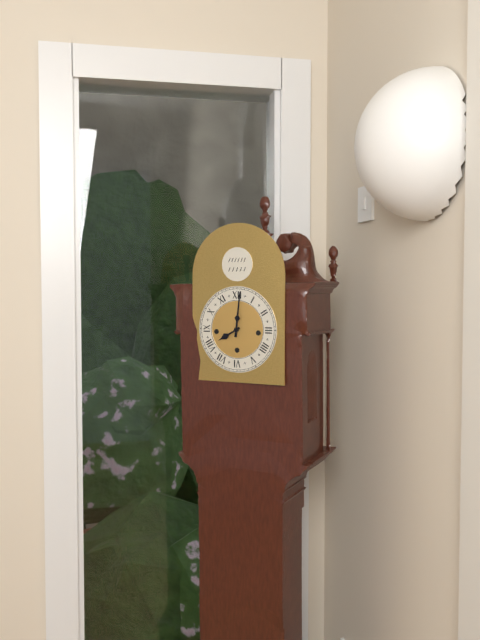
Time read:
8,01
